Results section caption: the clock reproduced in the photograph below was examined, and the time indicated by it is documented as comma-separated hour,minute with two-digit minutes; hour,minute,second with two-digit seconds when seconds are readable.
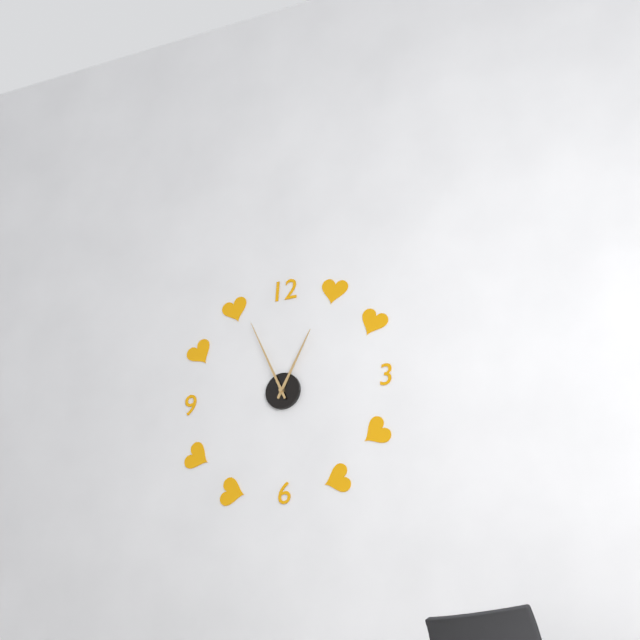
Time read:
12,56
